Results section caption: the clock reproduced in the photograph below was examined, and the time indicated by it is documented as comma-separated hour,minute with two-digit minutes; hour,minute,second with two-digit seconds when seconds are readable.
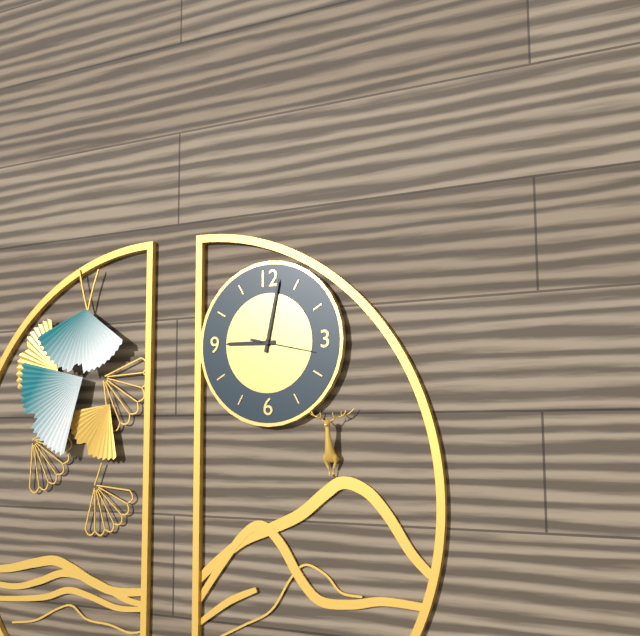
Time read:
9,02,17
